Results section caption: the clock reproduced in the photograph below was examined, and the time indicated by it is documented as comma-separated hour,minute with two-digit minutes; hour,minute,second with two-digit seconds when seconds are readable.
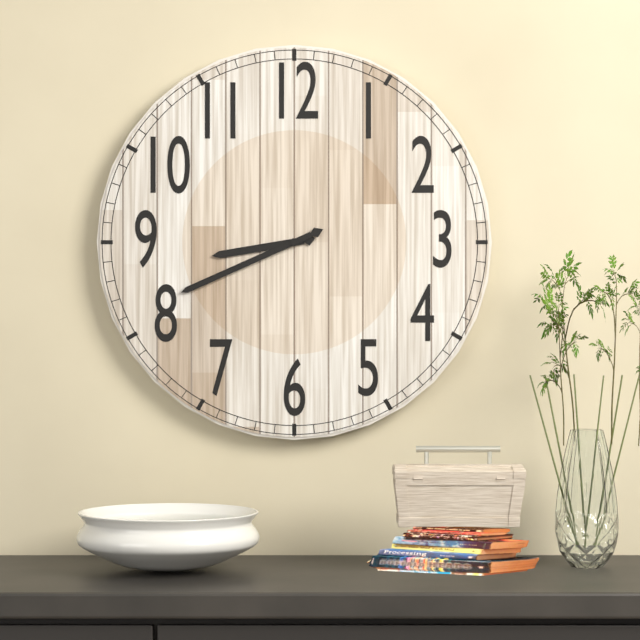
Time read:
8,41
